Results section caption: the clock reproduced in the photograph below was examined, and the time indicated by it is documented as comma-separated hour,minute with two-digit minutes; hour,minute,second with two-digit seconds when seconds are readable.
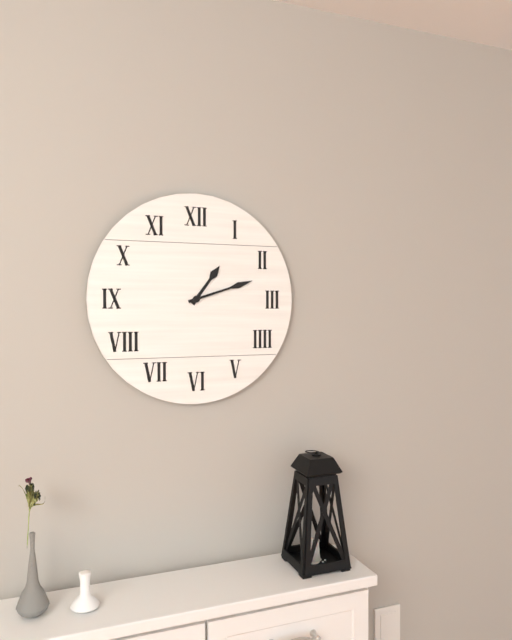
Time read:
1,12
